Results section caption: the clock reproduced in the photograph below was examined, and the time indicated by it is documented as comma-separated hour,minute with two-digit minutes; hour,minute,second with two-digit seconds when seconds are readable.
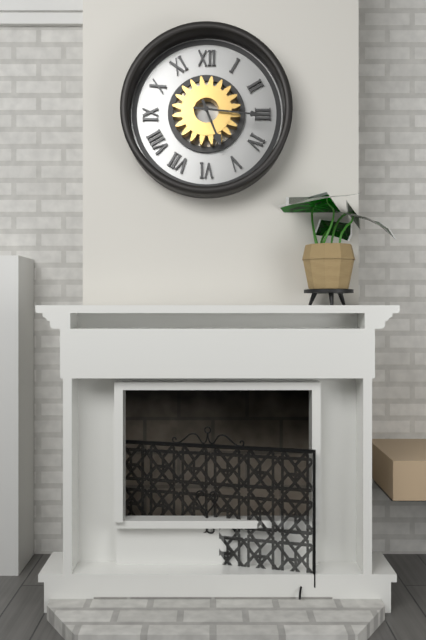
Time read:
5,16
